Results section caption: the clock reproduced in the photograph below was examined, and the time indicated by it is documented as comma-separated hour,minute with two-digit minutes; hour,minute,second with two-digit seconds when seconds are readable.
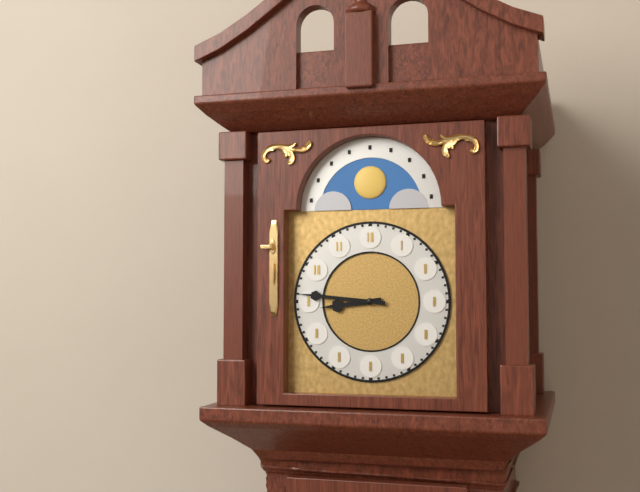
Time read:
8,46
